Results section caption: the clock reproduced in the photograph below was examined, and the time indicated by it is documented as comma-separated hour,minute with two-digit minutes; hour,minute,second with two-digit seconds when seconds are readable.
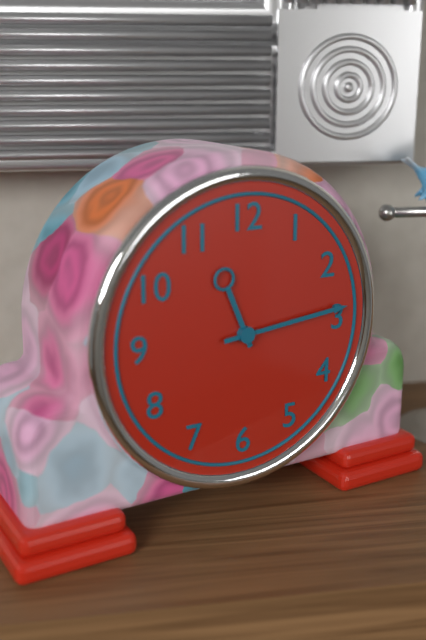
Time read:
11,14
